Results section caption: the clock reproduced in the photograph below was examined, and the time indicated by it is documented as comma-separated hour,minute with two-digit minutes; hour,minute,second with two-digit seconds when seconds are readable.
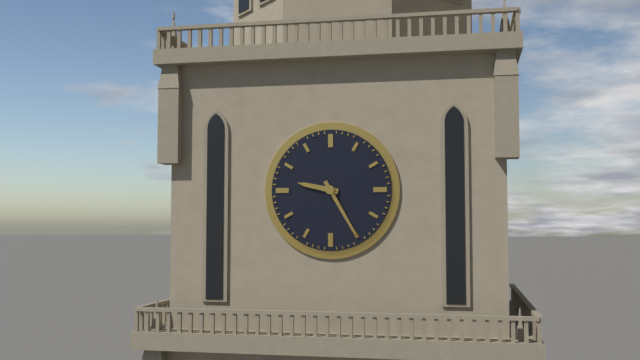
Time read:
9,25
